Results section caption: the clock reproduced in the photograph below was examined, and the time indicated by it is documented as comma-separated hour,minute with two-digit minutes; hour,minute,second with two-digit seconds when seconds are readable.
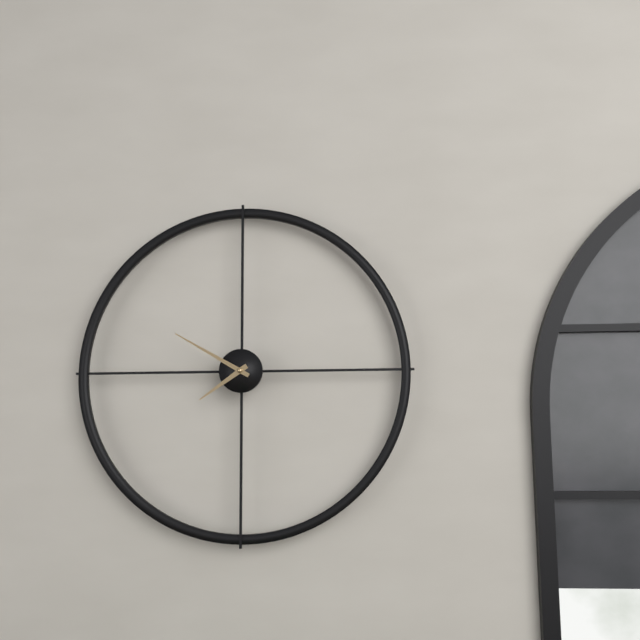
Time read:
7,50
